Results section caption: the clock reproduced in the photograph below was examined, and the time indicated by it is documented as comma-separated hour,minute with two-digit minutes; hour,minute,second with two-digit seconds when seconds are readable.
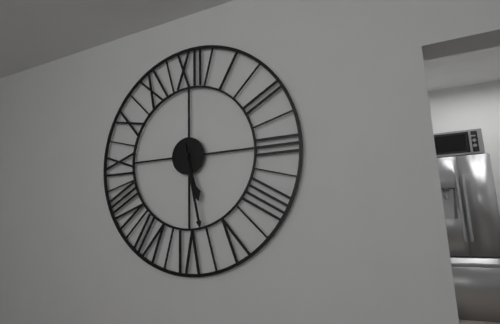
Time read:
5,28
